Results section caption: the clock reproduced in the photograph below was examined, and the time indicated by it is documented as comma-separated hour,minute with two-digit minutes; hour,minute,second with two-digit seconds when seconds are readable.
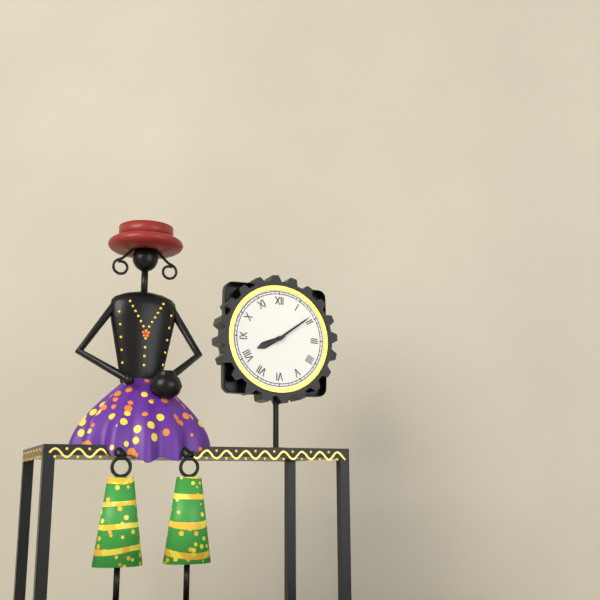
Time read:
8,09
